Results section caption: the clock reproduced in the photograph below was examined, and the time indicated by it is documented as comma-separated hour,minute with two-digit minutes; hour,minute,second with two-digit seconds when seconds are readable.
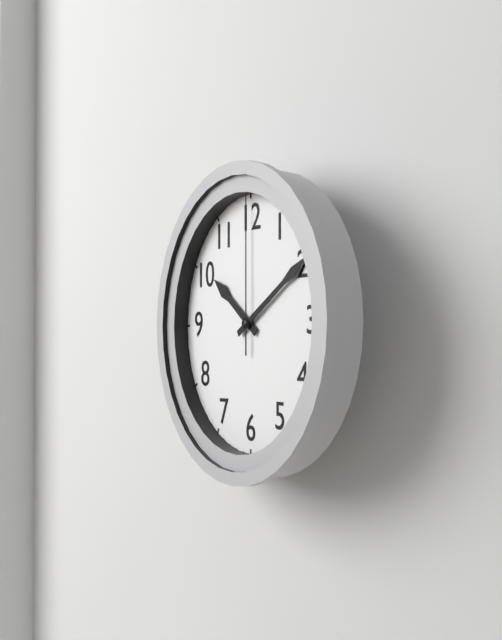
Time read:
10,10,00
